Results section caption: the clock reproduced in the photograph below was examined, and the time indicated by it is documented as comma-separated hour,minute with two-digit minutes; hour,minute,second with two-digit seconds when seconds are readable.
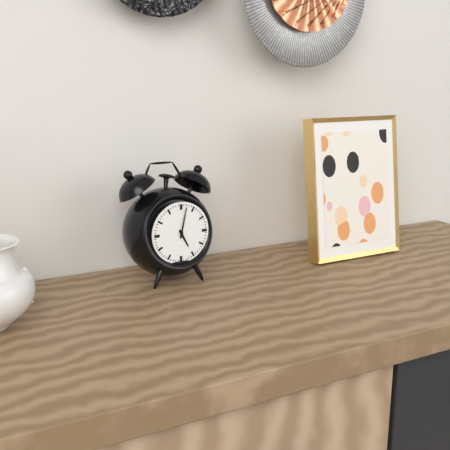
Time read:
5,02
